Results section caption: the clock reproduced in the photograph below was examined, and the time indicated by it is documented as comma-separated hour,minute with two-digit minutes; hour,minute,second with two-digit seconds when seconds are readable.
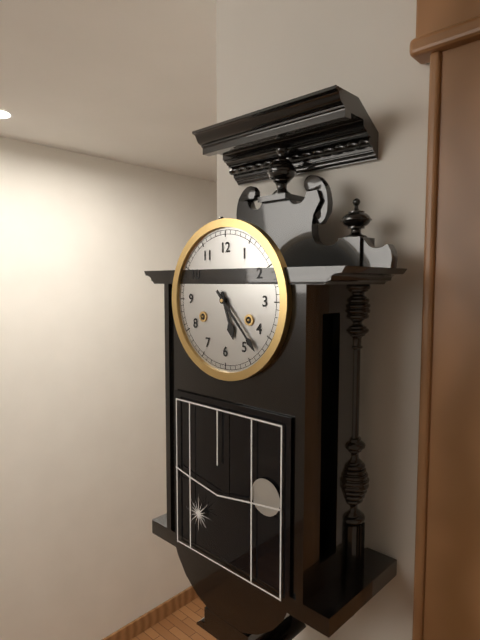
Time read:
5,23
